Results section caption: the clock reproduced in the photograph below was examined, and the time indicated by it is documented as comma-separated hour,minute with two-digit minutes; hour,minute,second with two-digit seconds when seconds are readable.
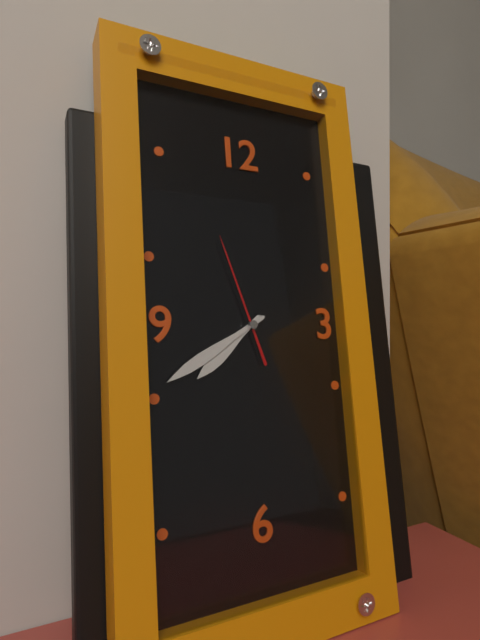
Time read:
7,40,57
